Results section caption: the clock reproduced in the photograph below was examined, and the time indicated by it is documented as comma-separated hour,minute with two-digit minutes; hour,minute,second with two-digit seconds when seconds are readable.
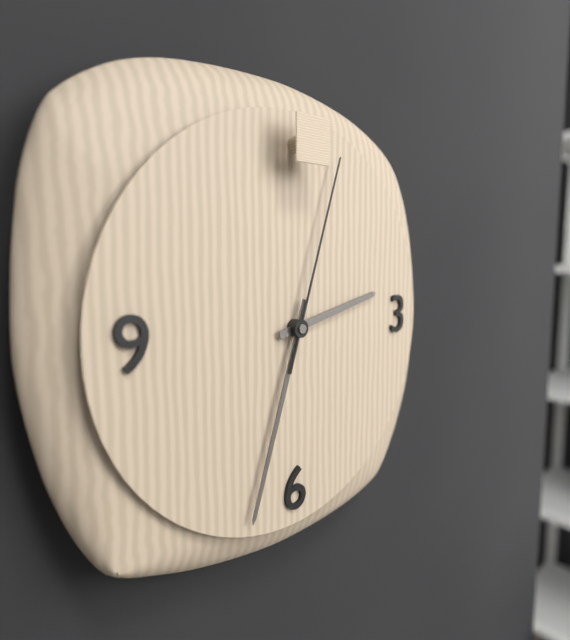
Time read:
2,33,03
